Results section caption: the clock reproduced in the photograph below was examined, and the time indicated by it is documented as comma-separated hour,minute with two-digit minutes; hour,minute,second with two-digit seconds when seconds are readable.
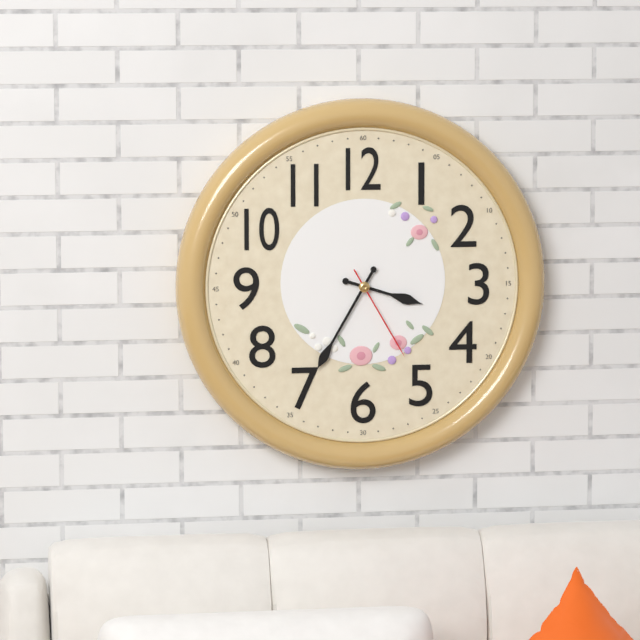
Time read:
3,35,25
